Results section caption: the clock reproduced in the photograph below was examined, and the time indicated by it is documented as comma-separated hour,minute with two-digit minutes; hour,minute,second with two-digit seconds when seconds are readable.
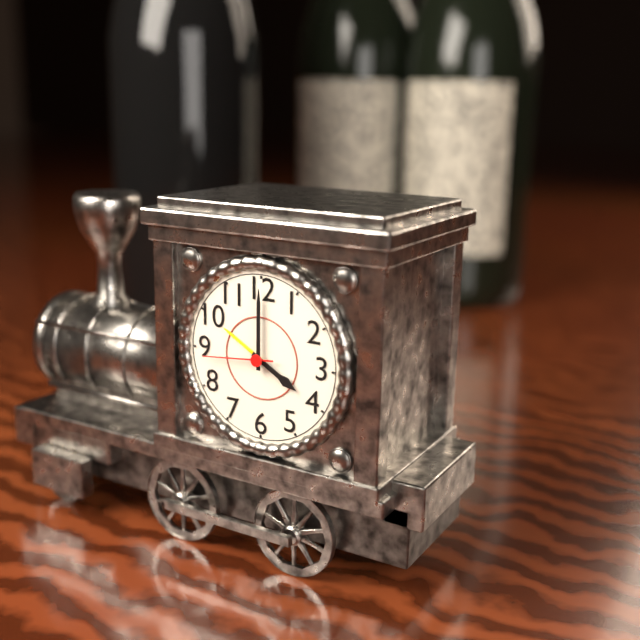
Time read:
4,00,44
